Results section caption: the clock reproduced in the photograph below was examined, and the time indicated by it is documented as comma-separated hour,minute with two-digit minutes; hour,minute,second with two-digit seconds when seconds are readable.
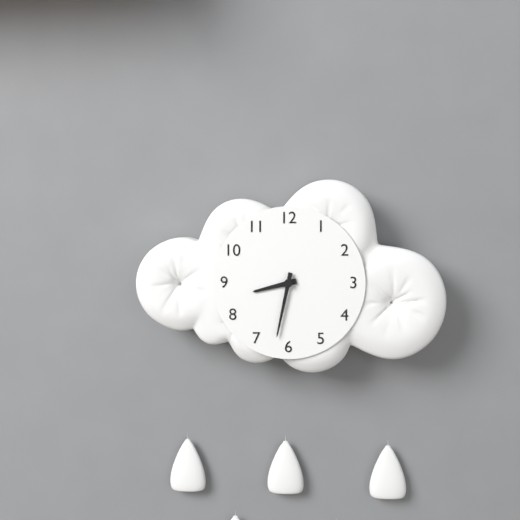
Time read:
8,32
